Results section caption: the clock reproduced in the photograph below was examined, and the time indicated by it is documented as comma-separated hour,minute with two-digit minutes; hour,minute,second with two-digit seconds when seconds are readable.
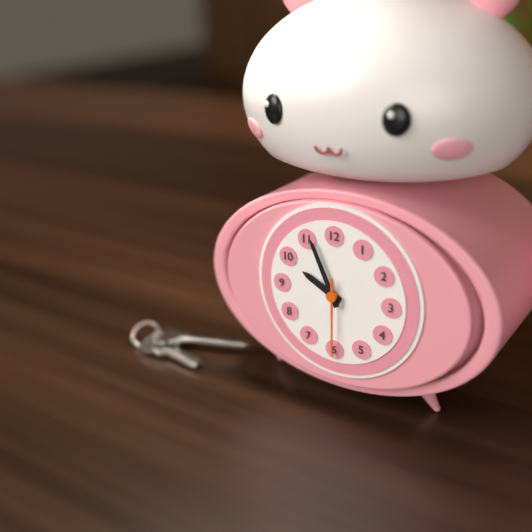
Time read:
9,56,30
